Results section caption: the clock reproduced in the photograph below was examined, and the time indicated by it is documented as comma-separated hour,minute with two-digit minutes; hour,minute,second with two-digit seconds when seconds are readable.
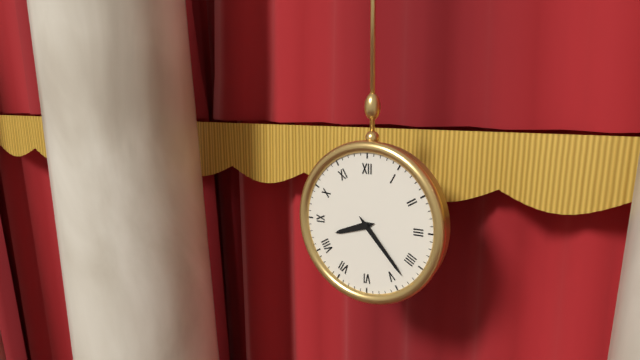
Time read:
8,23
